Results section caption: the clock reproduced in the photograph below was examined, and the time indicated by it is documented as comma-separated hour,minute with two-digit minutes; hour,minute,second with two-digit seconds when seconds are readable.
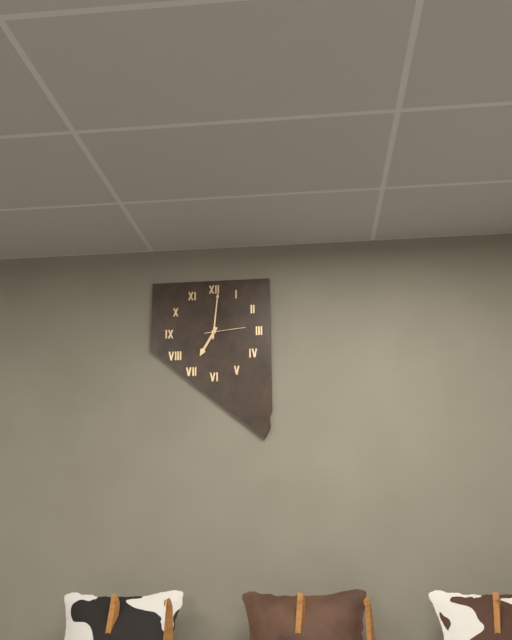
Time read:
7,01
